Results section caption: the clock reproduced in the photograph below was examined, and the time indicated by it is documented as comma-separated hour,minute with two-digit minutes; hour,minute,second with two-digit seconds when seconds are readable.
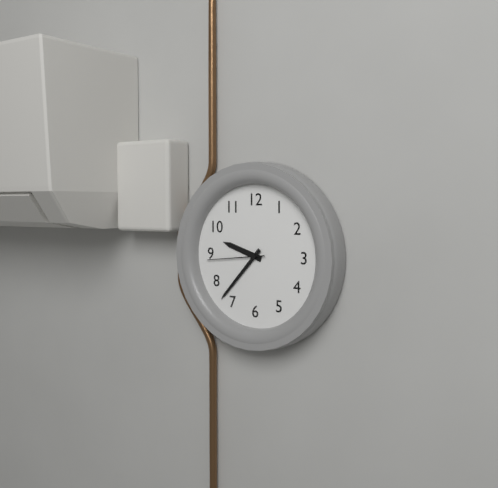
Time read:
9,37,44
